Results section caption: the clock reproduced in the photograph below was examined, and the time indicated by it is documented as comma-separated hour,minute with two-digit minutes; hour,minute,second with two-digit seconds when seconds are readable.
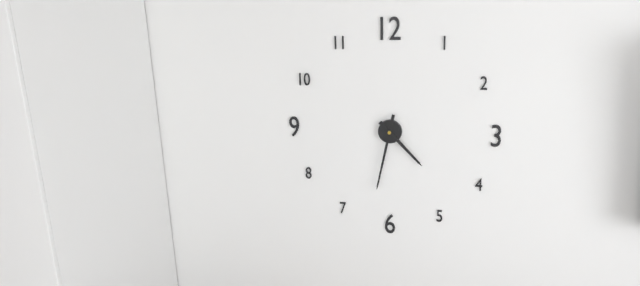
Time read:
4,32
